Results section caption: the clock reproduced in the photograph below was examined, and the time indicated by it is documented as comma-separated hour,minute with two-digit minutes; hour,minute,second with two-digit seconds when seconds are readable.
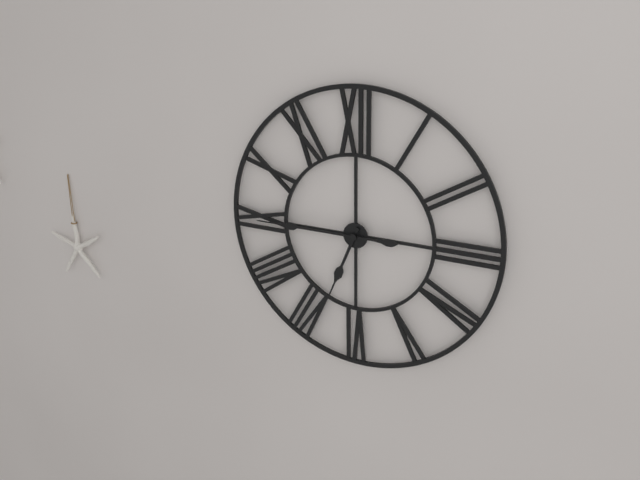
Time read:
6,45
